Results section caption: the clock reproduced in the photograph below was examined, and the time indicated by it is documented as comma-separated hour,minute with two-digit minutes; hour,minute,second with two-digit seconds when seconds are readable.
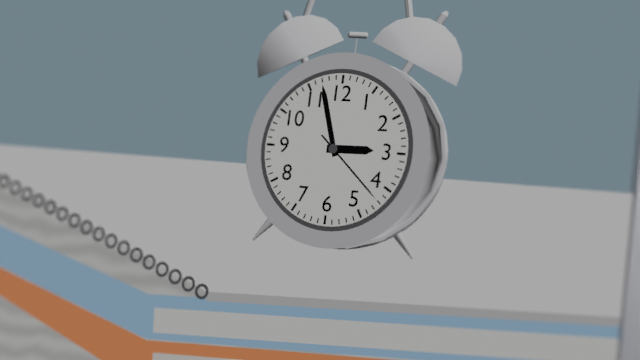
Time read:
2,57,22
